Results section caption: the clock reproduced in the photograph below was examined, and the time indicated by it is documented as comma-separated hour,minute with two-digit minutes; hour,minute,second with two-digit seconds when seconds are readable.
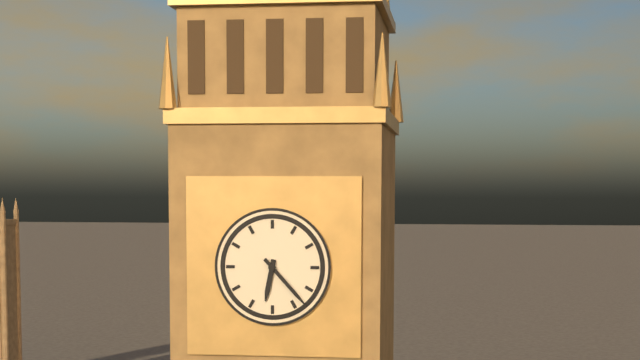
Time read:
6,23
